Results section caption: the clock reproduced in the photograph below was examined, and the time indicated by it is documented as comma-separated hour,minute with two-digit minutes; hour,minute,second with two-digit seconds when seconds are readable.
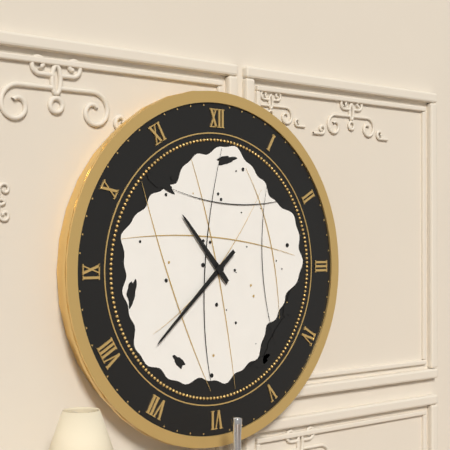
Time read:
10,38
